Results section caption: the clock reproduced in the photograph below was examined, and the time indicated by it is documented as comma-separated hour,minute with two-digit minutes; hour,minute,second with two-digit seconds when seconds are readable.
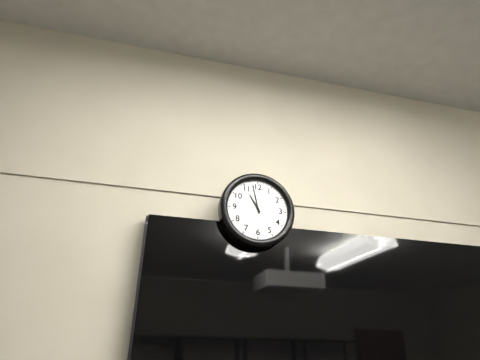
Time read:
10,58
